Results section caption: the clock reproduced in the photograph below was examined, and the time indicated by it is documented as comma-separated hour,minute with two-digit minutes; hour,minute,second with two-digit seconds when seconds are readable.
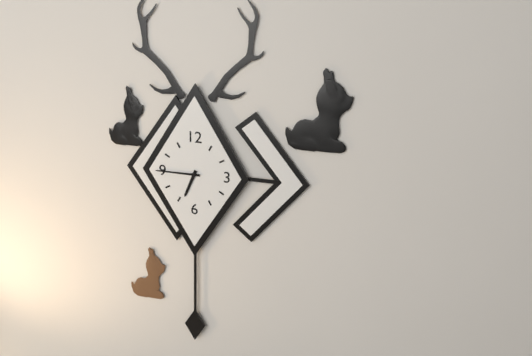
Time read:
6,45
